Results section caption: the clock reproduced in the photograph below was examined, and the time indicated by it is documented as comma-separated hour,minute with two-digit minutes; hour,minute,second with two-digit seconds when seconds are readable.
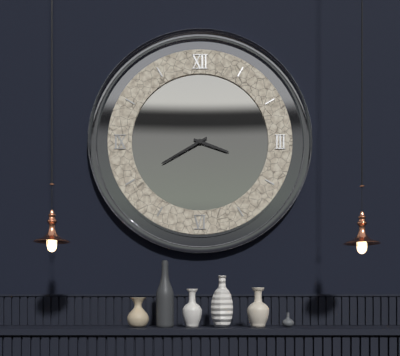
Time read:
3,40
